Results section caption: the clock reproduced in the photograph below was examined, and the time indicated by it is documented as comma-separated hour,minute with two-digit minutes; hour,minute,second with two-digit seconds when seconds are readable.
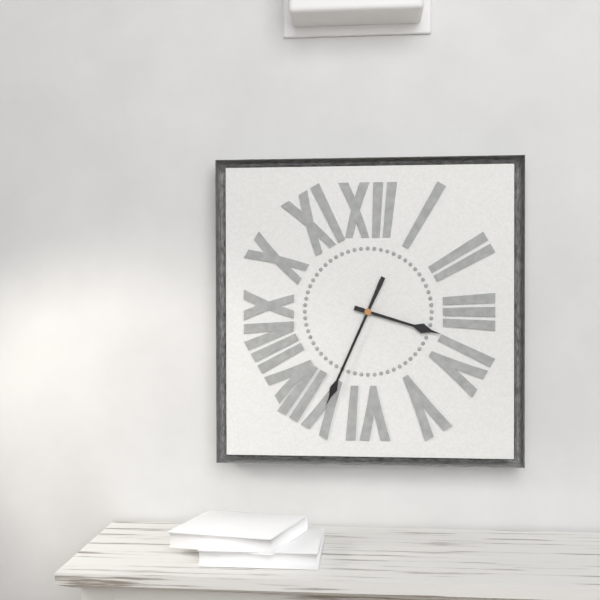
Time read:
3,34
